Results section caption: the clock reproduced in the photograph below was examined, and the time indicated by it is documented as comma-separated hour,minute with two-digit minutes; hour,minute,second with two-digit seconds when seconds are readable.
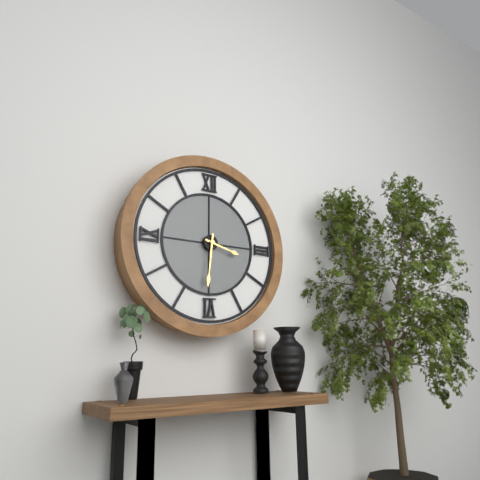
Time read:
3,31
